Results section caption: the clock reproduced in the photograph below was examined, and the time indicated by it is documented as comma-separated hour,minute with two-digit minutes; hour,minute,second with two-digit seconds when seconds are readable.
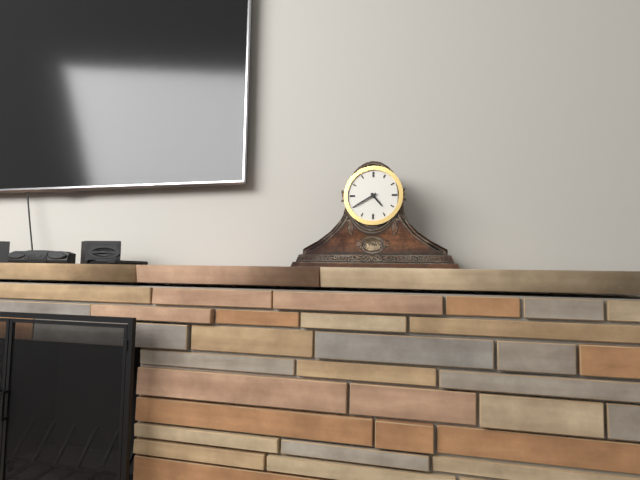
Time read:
4,40
